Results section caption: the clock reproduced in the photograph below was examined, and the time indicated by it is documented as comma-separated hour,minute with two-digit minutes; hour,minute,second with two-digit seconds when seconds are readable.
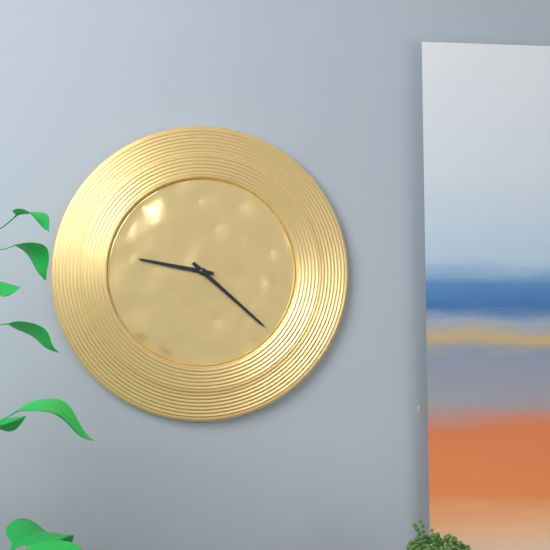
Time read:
9,22
